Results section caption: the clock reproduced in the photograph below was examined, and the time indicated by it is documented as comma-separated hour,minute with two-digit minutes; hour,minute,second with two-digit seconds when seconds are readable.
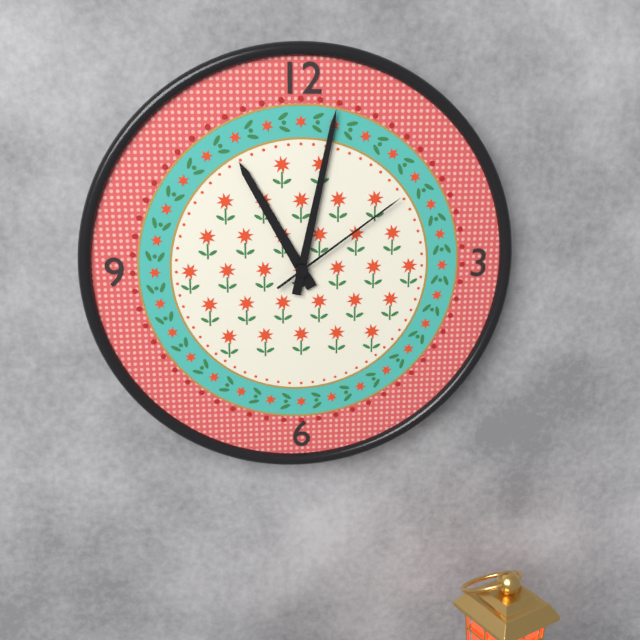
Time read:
11,02,09
